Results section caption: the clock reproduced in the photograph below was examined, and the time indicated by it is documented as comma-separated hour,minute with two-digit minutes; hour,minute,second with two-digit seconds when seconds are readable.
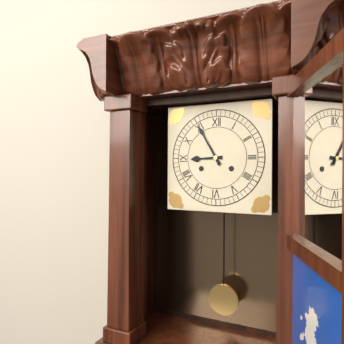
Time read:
8,55
